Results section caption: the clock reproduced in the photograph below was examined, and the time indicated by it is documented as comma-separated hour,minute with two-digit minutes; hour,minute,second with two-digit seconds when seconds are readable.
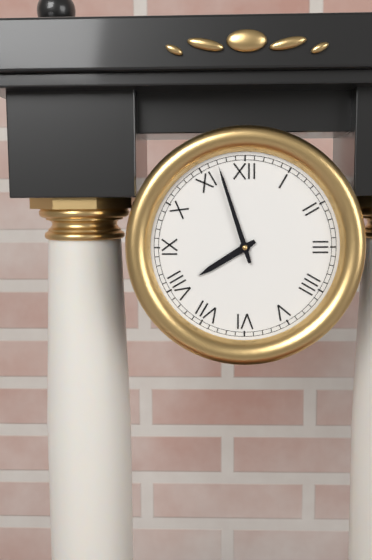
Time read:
7,57
